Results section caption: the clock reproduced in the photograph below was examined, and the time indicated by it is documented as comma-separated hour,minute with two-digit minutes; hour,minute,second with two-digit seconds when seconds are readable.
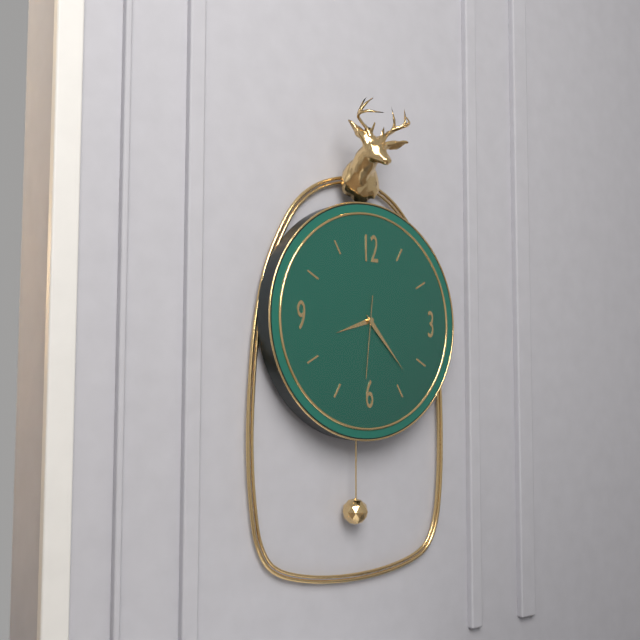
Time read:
8,23,31
